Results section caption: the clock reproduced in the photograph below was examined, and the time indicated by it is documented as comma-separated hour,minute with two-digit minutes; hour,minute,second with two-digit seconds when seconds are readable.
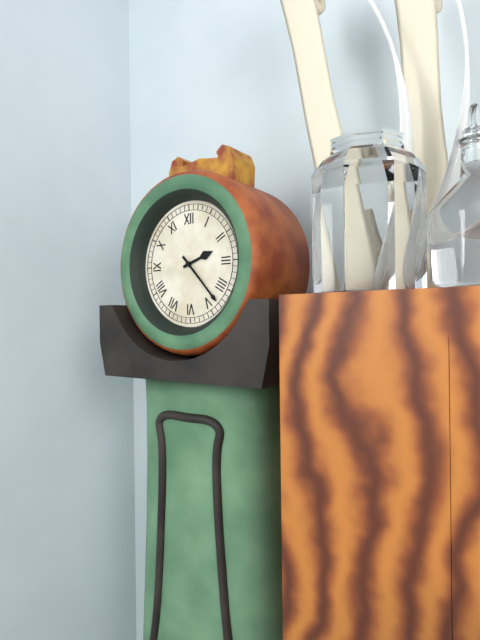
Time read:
2,23
